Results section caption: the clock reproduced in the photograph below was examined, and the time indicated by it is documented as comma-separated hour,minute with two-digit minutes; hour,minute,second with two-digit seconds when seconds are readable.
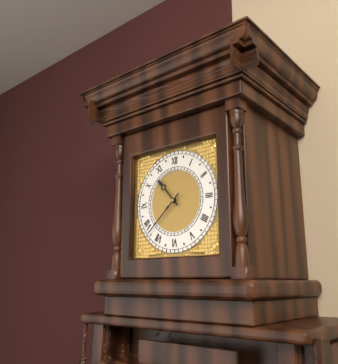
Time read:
10,38
